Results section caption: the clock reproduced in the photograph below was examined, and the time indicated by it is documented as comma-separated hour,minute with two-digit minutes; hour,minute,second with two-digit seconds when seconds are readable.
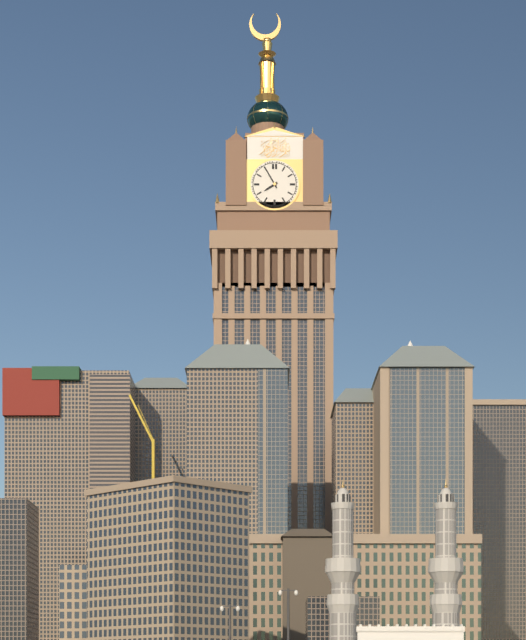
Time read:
7,55
